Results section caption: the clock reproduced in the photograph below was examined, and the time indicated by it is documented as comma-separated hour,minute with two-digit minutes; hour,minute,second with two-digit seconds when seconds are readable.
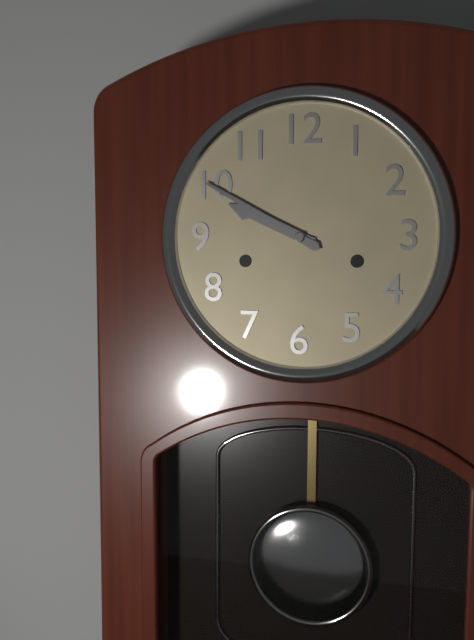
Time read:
9,50
